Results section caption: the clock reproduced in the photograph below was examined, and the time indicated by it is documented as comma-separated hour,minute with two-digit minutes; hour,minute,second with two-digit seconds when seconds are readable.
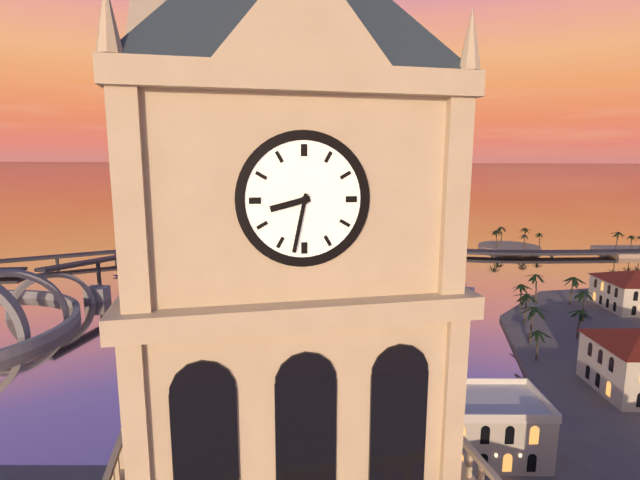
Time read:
8,32
